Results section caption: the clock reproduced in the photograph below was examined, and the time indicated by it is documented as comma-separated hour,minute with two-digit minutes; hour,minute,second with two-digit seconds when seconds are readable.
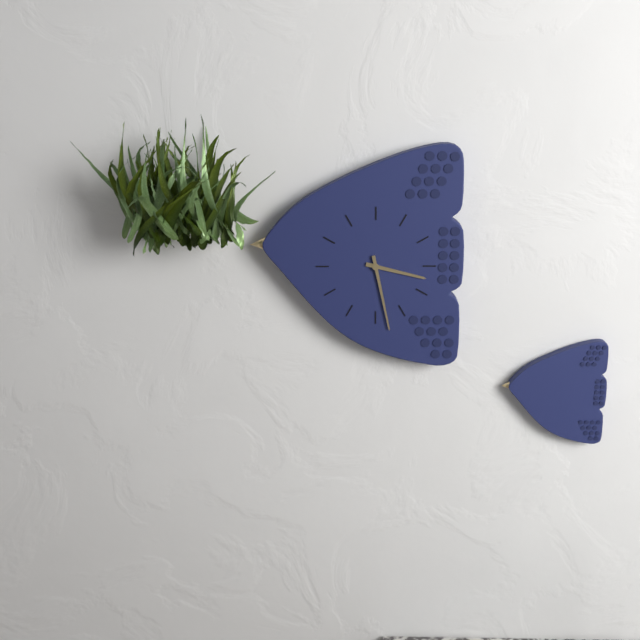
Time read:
3,28
